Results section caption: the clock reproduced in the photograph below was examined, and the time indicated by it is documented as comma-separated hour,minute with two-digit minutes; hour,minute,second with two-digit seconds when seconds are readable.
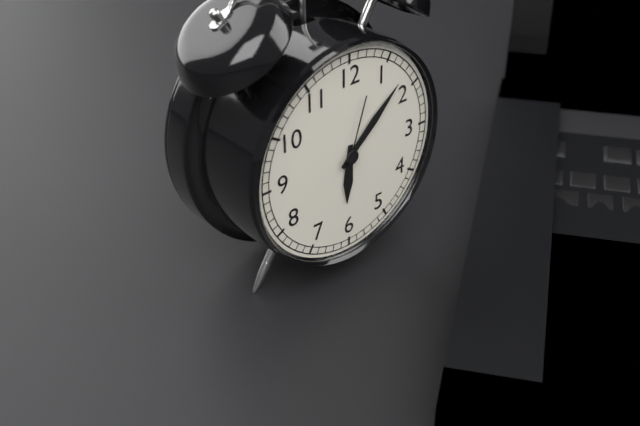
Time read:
6,08,03
